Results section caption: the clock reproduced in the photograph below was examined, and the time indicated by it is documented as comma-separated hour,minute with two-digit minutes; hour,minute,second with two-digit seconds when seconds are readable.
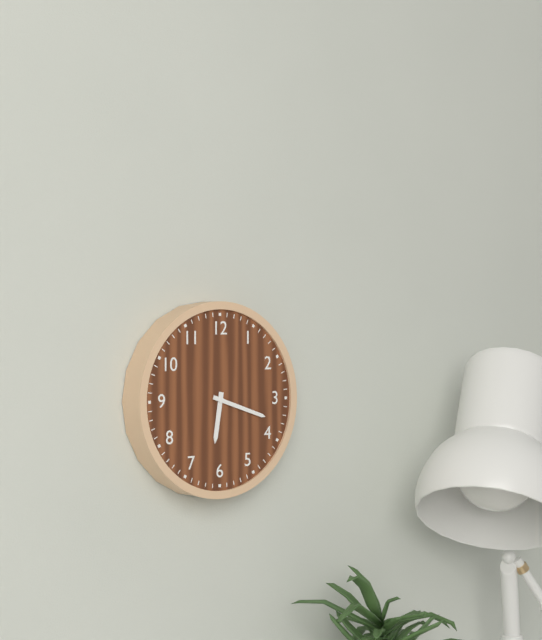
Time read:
6,18
